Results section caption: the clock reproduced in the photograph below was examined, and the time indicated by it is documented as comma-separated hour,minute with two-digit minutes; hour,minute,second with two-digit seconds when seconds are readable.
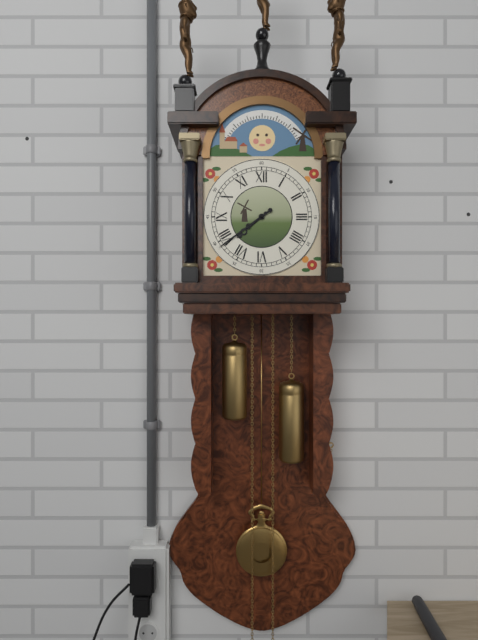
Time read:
7,39
